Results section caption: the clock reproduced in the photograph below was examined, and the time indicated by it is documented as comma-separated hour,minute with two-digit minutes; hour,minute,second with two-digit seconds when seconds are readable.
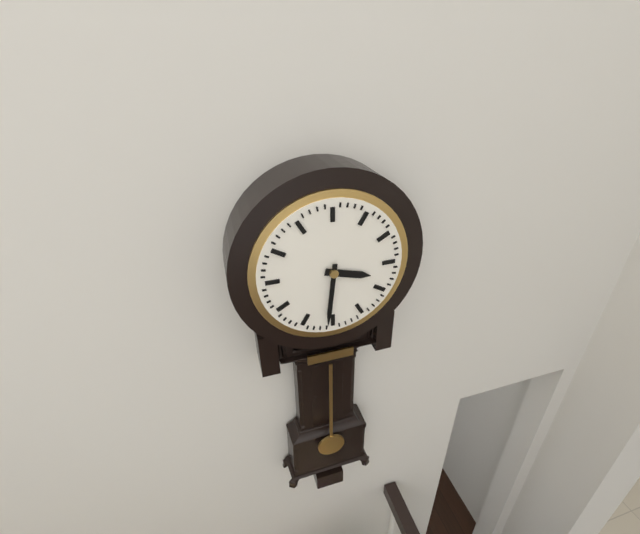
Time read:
3,31
